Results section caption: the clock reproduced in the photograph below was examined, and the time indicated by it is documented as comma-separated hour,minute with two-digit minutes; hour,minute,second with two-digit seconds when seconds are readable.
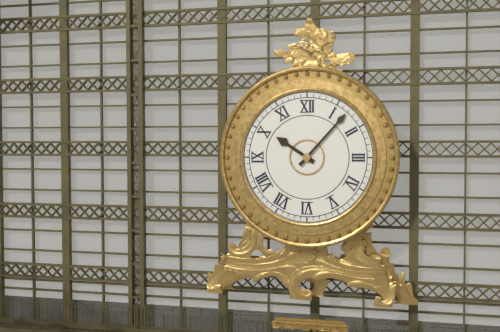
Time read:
10,07
